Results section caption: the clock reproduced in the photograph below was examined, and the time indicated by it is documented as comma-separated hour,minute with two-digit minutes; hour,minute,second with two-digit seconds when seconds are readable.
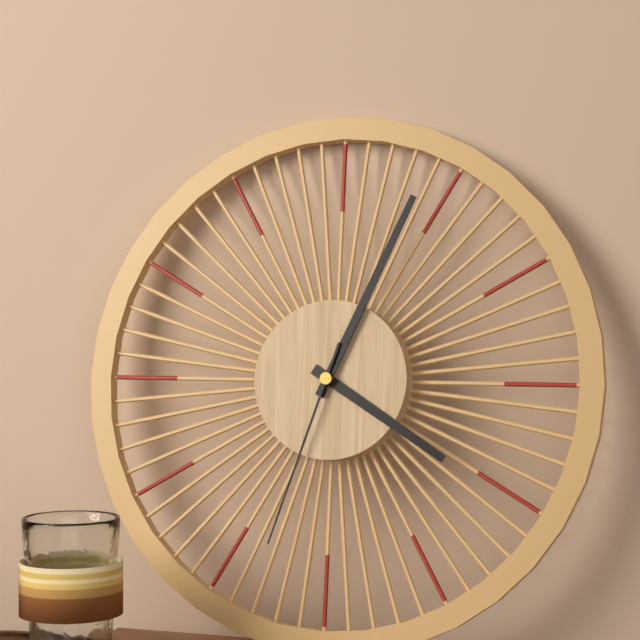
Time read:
4,04,33
